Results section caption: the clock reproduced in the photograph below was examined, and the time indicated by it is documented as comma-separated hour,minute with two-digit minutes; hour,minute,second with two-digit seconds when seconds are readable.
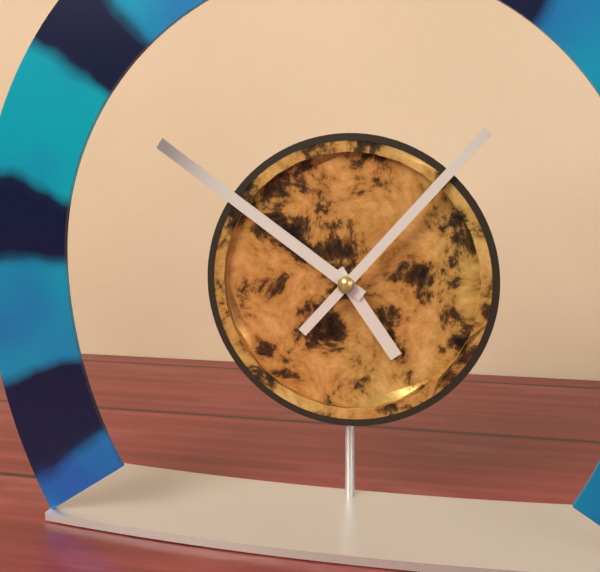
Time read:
4,51,07
